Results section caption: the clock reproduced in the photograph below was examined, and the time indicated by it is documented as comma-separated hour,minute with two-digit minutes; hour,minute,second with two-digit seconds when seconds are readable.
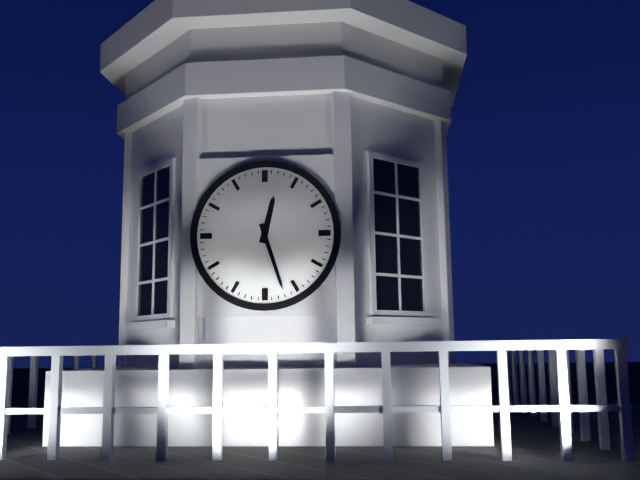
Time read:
12,27
